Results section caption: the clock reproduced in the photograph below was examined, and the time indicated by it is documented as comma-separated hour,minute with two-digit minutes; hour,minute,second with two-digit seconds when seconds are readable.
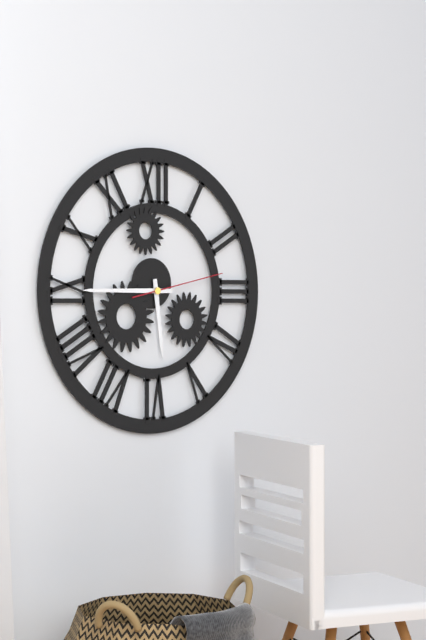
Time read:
5,45,13
